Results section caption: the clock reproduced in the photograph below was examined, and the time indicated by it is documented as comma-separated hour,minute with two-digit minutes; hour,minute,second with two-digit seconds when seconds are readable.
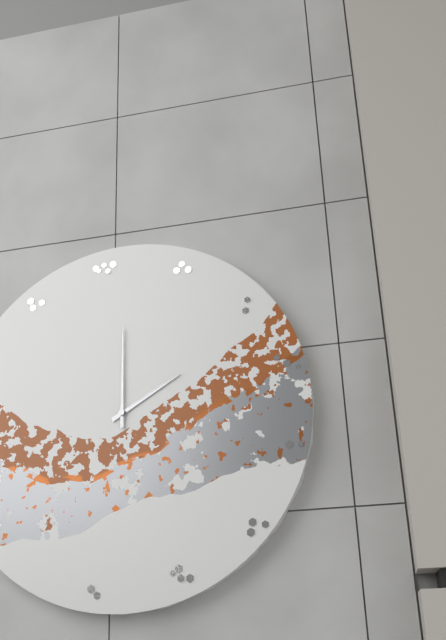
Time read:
2,00
